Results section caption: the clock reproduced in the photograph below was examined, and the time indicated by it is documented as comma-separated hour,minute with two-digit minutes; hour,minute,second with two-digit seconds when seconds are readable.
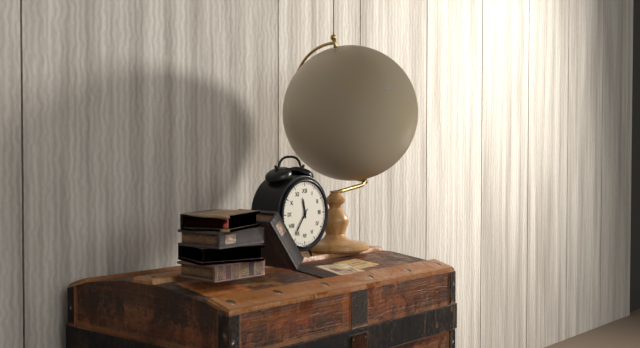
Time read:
11,36
